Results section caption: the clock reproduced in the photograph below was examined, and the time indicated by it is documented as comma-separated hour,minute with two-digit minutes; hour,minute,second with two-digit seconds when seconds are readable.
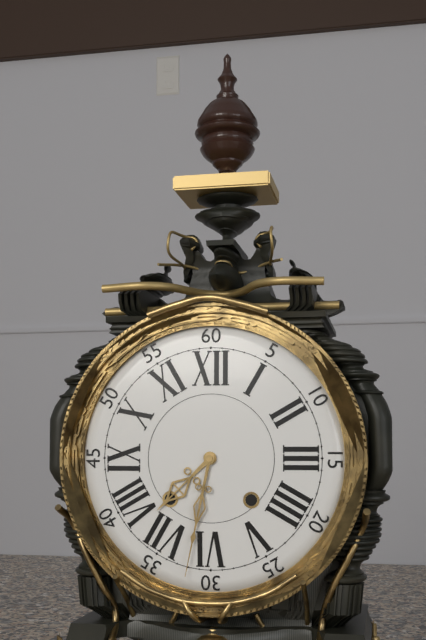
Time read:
7,32
